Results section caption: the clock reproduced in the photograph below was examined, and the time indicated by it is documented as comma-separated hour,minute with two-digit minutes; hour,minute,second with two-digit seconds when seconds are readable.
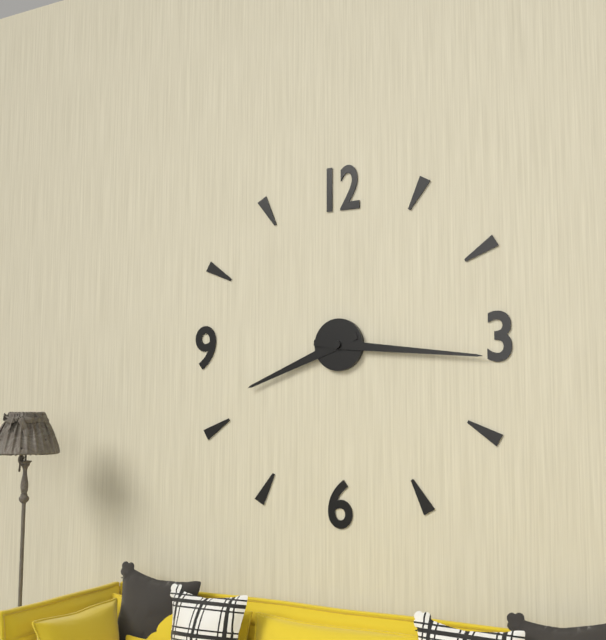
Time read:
8,16
